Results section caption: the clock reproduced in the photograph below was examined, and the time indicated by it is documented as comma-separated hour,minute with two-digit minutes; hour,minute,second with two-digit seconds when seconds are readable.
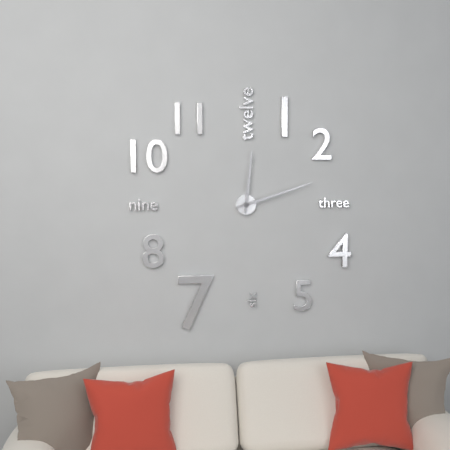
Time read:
12,12
